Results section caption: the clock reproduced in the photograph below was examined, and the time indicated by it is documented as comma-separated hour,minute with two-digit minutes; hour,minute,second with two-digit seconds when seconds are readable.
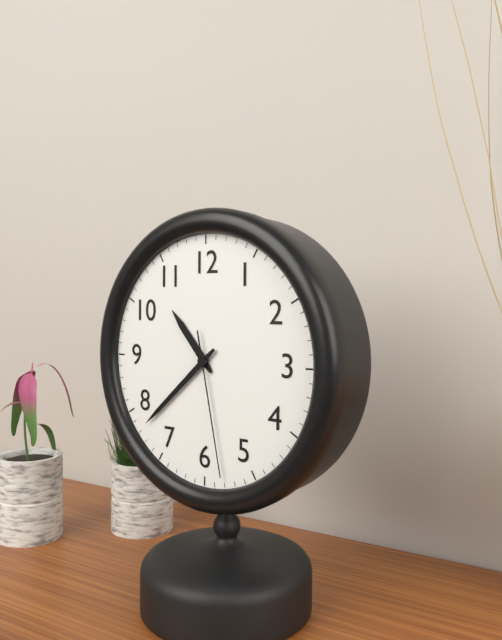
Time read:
10,38,28
